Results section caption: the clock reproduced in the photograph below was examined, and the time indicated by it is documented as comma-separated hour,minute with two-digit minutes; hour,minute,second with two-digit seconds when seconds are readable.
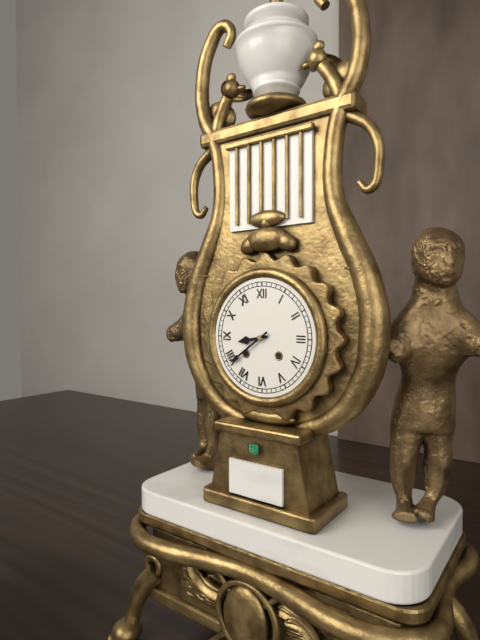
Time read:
8,39
